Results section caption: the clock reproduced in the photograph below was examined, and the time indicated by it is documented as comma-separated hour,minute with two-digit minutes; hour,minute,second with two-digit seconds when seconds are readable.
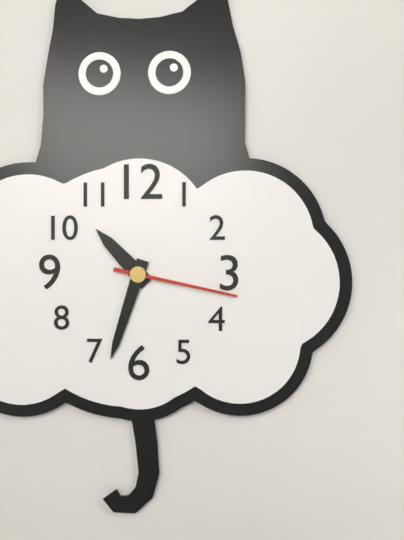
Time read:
10,33,17
